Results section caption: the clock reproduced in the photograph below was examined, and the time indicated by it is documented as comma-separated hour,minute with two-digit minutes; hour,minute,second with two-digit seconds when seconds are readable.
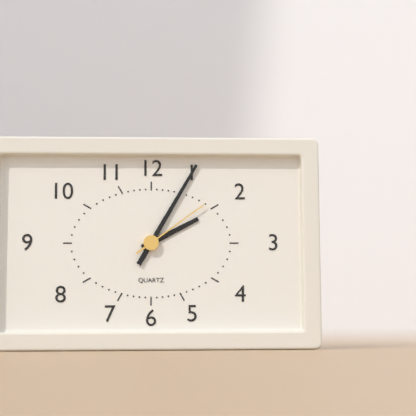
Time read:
2,05,09
